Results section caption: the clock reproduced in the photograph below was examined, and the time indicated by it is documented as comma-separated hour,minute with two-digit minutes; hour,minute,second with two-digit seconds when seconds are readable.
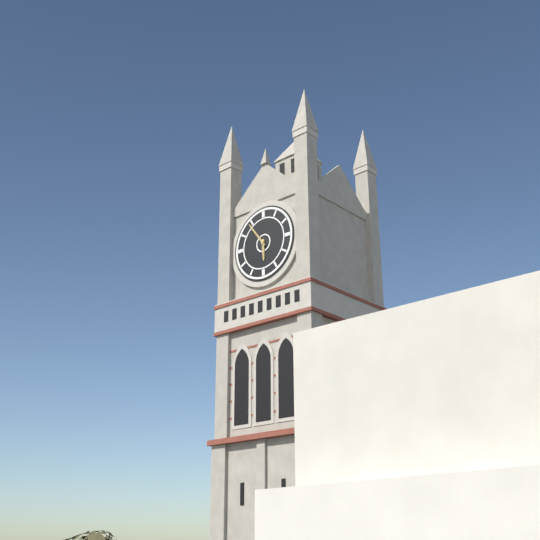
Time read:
5,54
